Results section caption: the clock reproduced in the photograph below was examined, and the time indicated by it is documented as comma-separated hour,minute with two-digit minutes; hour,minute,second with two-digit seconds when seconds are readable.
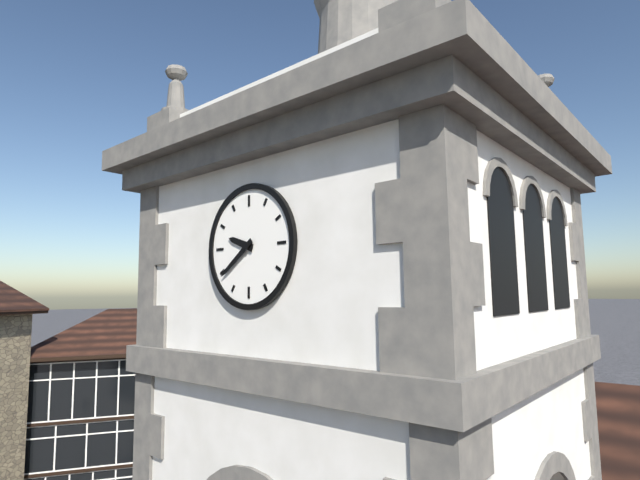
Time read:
9,39
